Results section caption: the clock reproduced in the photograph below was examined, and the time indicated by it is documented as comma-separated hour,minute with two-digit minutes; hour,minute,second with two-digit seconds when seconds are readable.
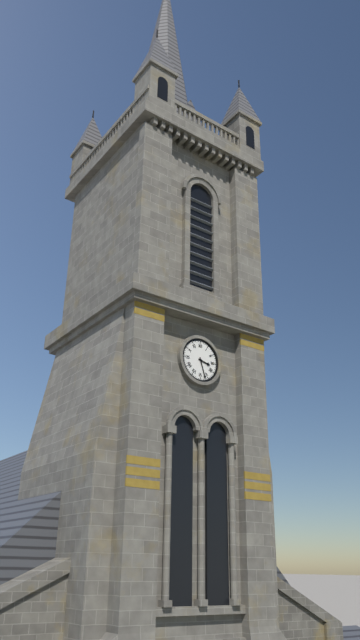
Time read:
3,27
